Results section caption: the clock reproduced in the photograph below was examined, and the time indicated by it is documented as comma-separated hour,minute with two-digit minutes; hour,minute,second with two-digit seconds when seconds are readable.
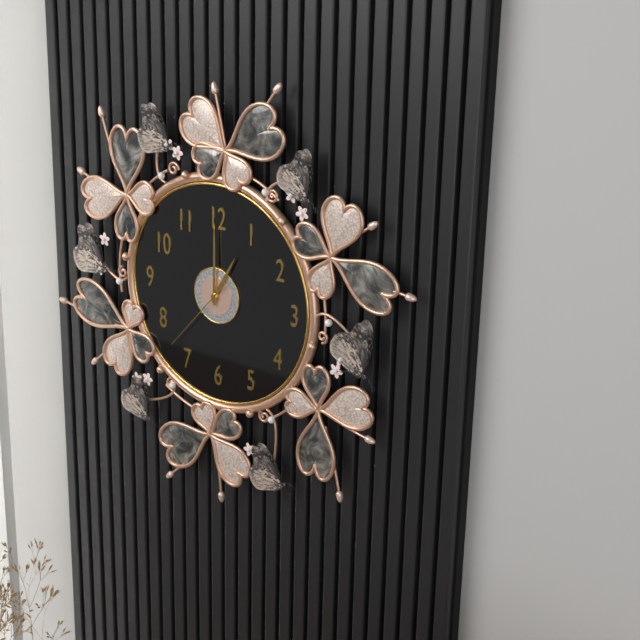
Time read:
1,00,37
